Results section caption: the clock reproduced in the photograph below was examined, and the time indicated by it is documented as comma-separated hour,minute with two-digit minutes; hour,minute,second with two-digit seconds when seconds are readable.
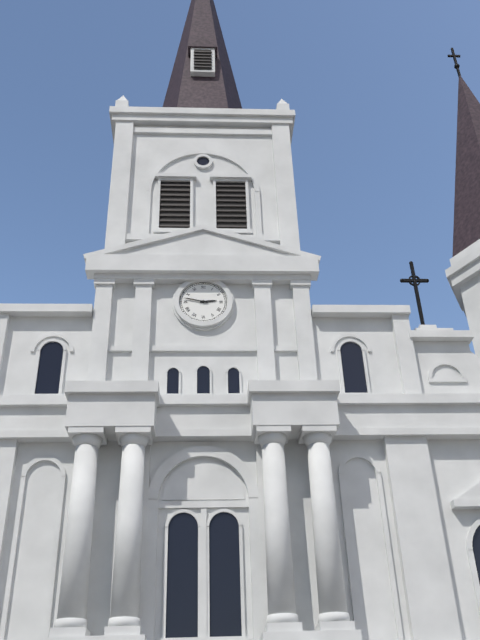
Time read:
2,47
